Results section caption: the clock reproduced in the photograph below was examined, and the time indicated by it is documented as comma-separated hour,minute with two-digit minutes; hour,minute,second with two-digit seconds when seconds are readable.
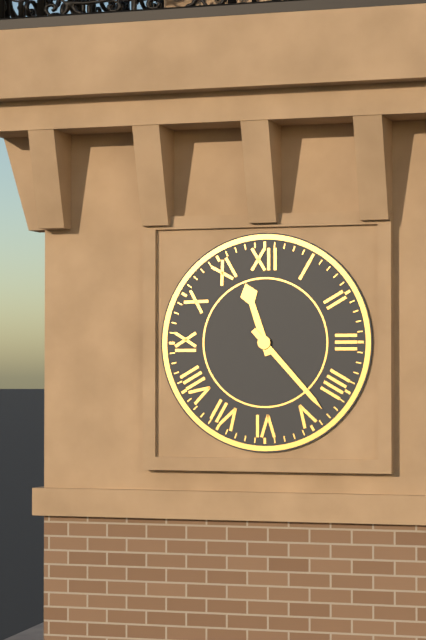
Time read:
11,23
